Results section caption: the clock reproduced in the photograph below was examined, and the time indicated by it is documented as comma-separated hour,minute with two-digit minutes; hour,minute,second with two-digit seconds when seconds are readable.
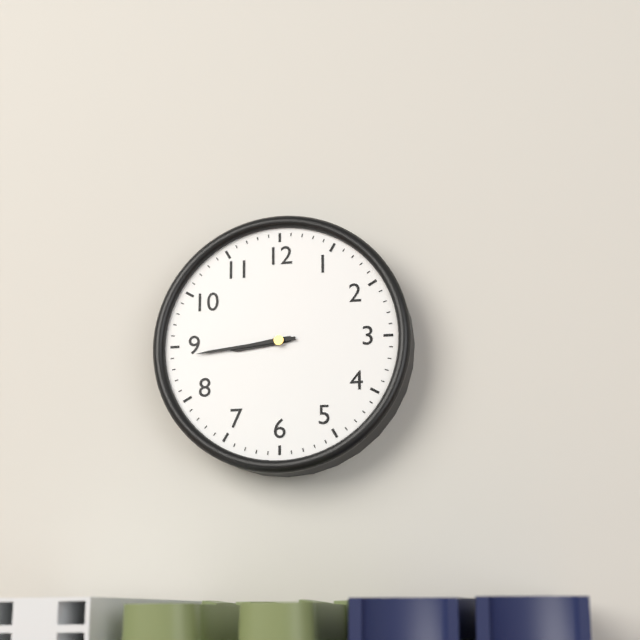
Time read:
8,44
